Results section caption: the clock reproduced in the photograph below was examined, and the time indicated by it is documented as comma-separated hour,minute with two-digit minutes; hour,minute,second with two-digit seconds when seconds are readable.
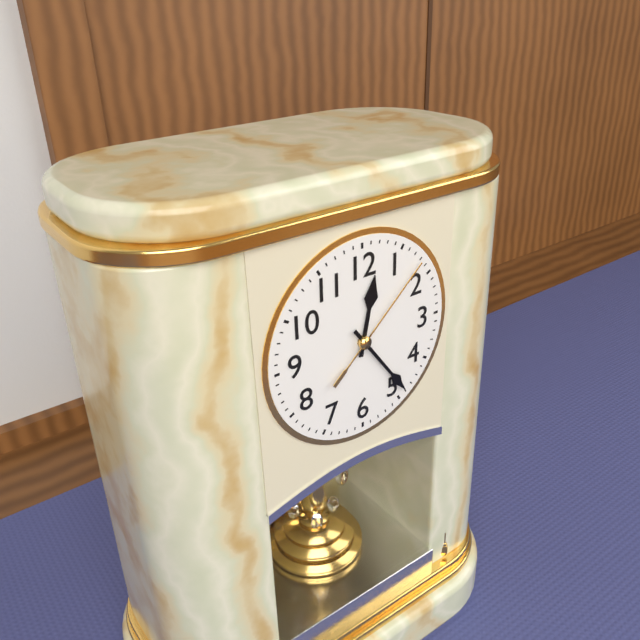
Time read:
12,24,08
